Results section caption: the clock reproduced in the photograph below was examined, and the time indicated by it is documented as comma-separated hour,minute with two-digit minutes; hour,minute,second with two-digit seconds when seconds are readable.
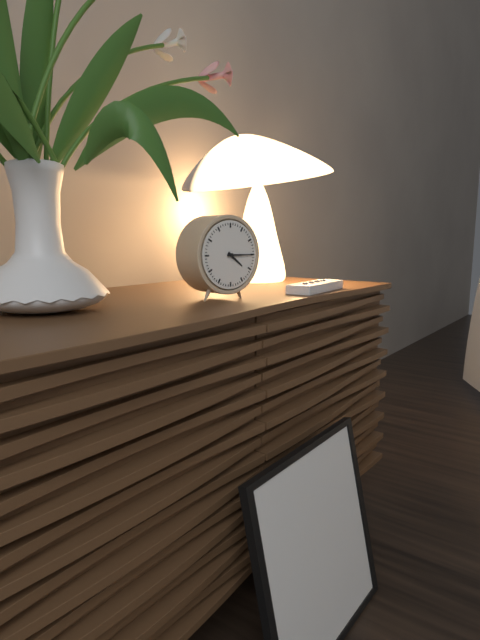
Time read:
4,15
